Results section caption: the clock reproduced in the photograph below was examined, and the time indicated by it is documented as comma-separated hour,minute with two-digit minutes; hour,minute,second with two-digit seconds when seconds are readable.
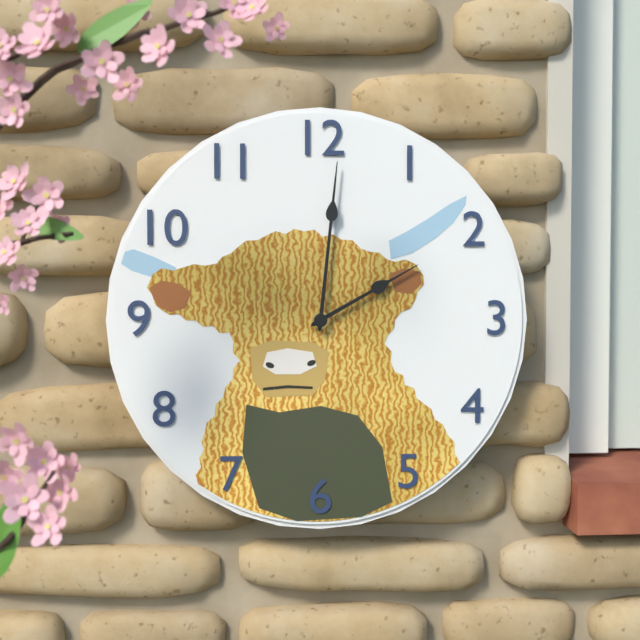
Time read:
2,01
